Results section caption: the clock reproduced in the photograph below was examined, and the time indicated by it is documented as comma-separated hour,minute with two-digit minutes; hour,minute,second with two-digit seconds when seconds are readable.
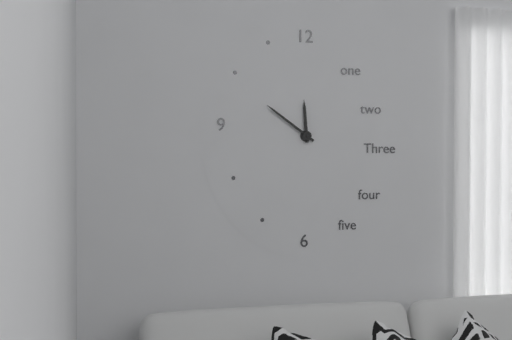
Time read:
11,51
